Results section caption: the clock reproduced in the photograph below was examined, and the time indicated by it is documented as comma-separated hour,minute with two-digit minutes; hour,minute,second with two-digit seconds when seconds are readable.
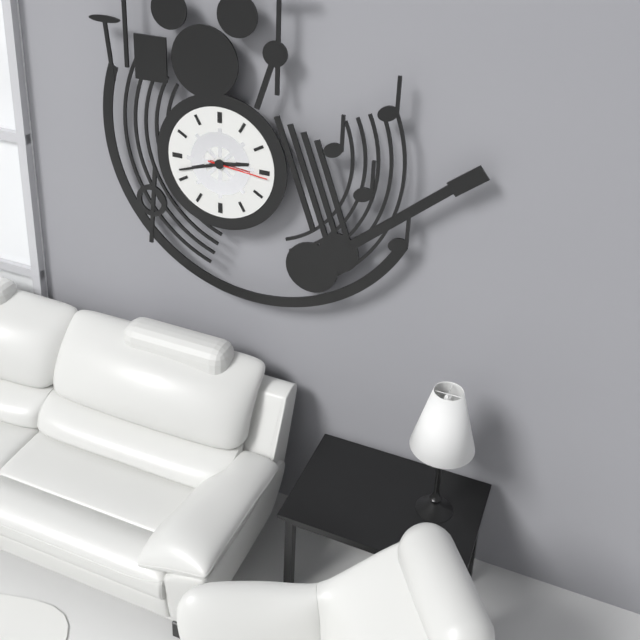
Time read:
2,42,16
